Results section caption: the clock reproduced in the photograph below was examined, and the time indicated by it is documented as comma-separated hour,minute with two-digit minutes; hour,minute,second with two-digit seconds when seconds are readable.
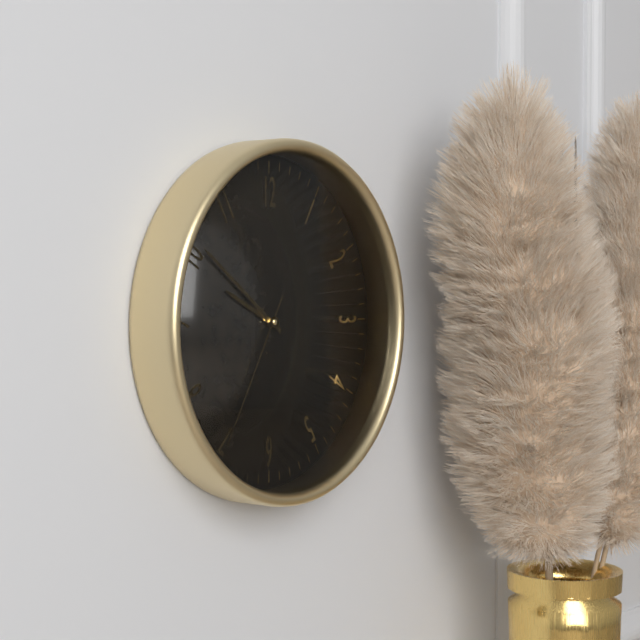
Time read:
9,51,35
